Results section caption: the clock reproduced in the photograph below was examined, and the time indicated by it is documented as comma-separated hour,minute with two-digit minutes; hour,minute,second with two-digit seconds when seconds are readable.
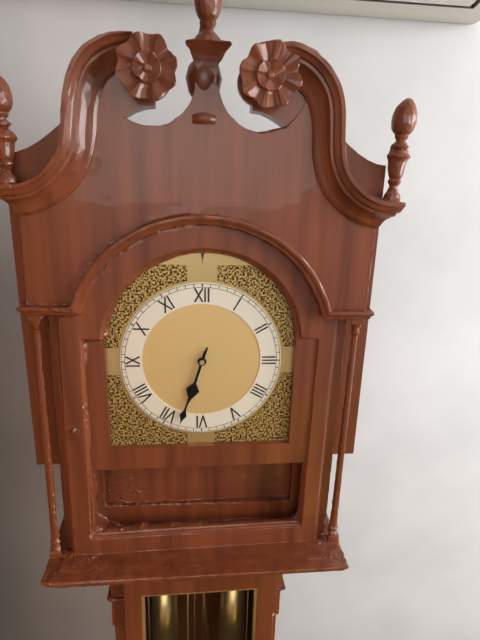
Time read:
6,33
